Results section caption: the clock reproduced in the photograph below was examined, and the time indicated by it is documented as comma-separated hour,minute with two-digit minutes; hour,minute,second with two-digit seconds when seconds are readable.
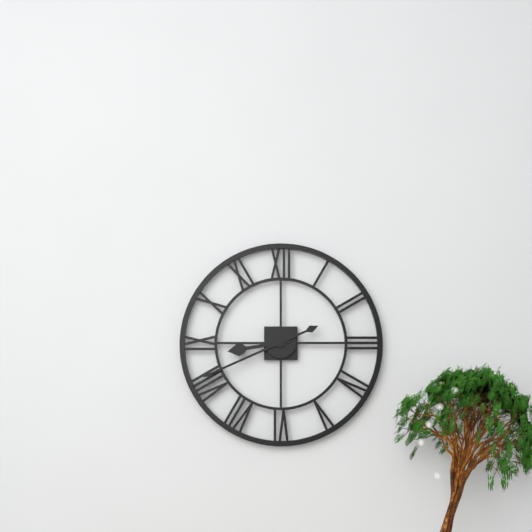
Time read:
8,41
